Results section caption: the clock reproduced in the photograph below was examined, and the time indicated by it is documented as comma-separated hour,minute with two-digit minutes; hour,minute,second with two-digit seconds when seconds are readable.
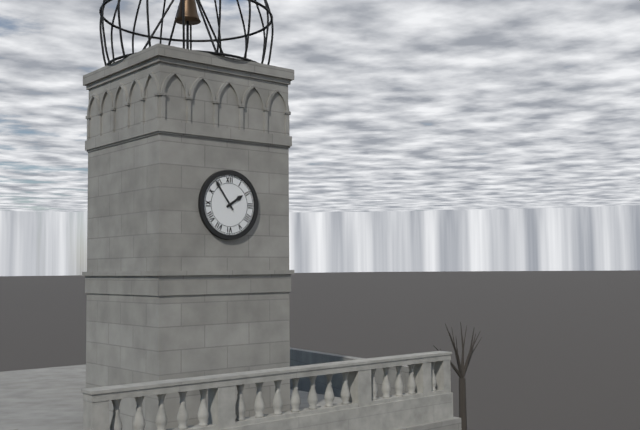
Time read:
1,54
